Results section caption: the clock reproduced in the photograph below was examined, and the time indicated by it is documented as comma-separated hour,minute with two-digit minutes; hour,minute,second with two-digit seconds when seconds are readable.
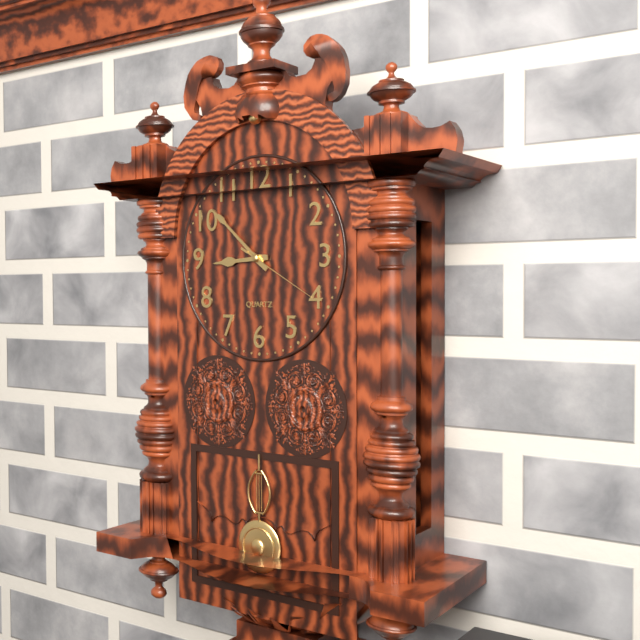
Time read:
8,52,20
